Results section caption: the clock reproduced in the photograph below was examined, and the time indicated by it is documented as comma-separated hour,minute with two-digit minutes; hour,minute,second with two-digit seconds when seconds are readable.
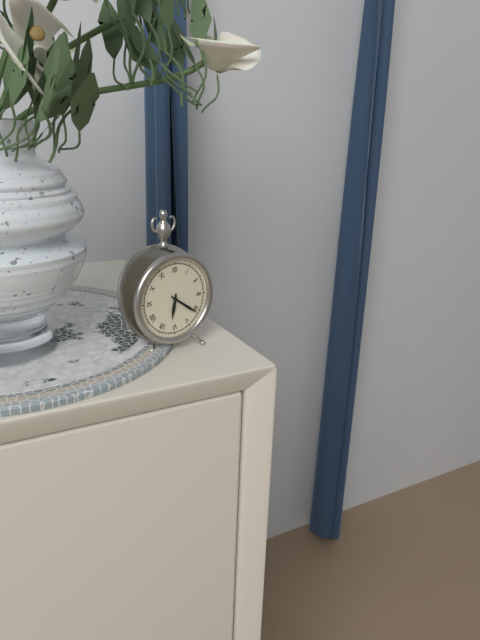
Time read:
6,21
